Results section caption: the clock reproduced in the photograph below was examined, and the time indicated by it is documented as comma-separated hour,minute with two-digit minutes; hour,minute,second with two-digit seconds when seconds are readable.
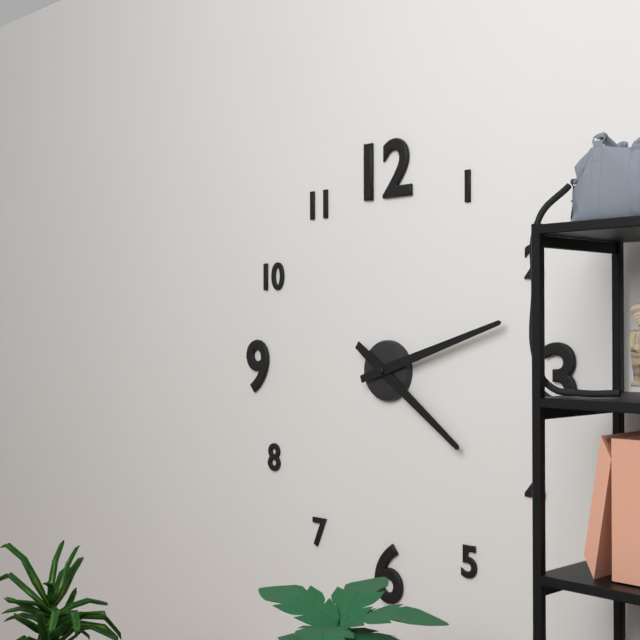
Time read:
4,12
